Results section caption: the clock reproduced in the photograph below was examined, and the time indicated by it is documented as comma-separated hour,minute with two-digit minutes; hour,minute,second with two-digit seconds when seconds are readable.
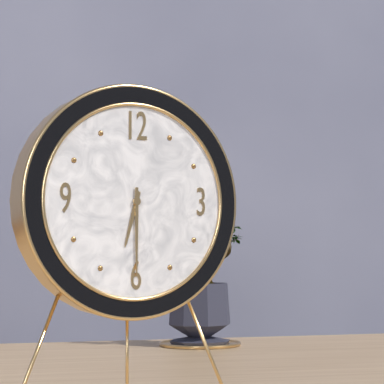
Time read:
6,30
